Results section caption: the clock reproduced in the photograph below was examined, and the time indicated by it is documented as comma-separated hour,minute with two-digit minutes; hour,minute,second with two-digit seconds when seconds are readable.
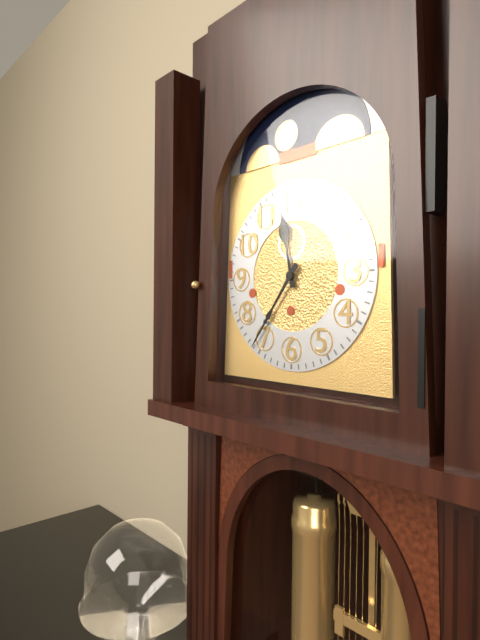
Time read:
11,36
